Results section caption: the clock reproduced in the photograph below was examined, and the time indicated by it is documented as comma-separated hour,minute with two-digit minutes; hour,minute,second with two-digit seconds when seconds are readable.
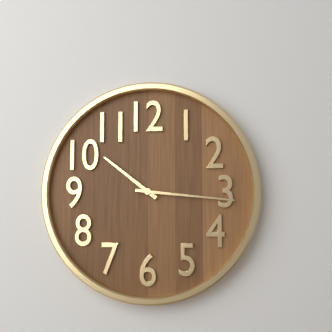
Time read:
10,16
